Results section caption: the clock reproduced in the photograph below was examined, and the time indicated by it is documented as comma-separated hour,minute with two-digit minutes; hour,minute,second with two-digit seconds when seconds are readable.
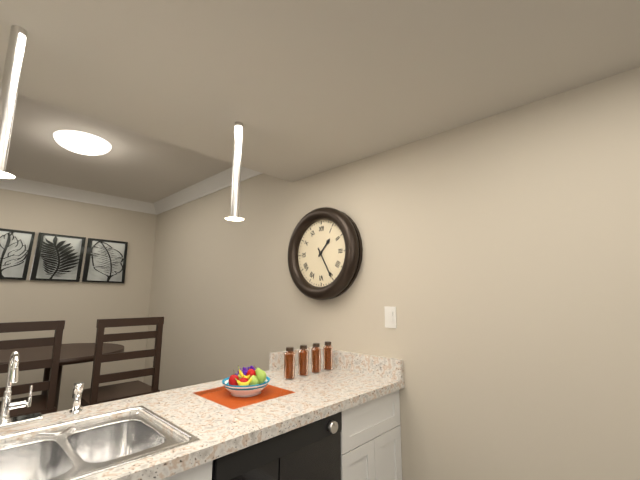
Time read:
1,25
